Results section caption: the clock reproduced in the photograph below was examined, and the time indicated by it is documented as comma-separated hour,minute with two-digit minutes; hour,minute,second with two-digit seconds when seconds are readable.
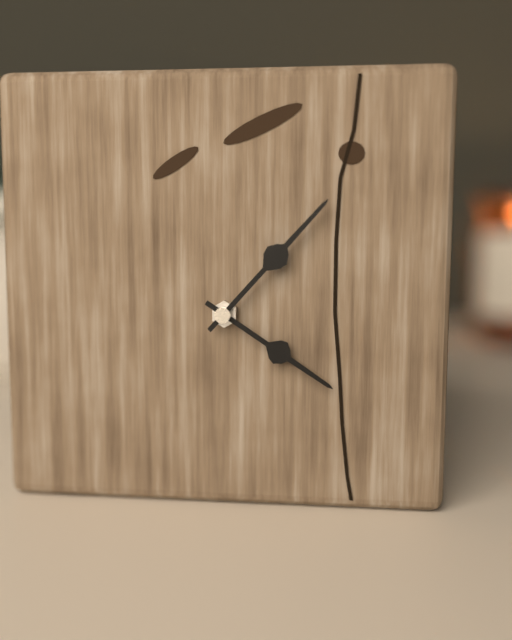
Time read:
4,07
